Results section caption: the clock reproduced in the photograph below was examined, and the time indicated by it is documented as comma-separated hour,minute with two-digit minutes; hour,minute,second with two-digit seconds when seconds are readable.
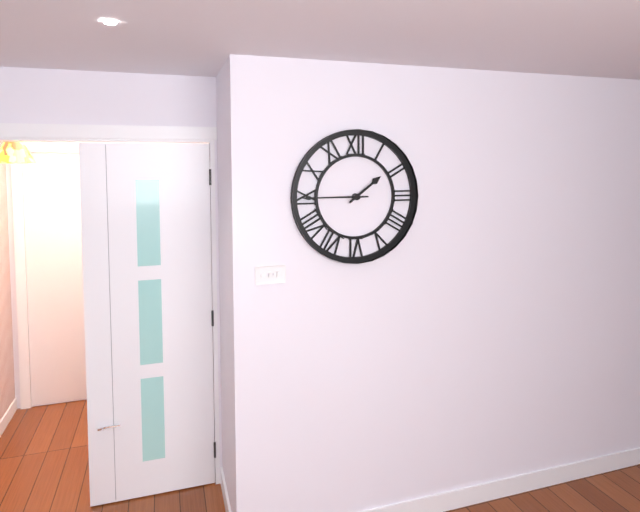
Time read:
1,45
